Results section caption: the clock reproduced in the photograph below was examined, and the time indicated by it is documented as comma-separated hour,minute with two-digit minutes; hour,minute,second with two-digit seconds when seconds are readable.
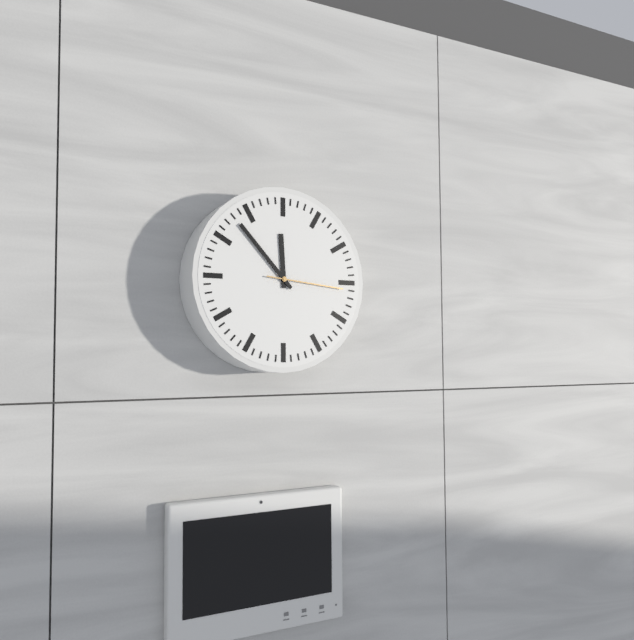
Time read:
11,53,16
